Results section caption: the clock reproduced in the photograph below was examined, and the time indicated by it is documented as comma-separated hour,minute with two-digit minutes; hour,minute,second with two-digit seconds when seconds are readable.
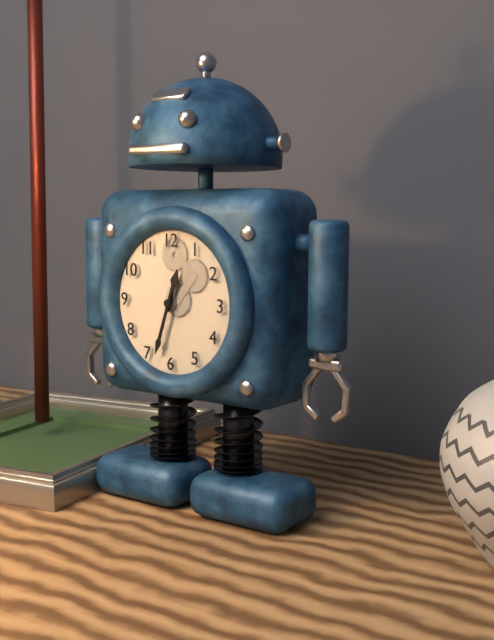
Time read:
12,33
